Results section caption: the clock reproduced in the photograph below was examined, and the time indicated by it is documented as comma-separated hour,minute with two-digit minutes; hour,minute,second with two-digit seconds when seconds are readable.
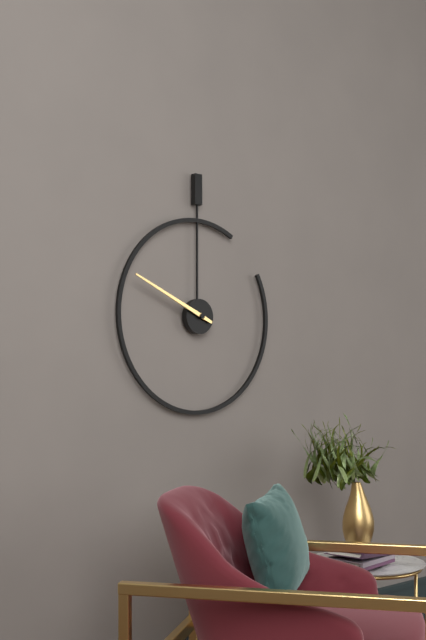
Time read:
9,49
